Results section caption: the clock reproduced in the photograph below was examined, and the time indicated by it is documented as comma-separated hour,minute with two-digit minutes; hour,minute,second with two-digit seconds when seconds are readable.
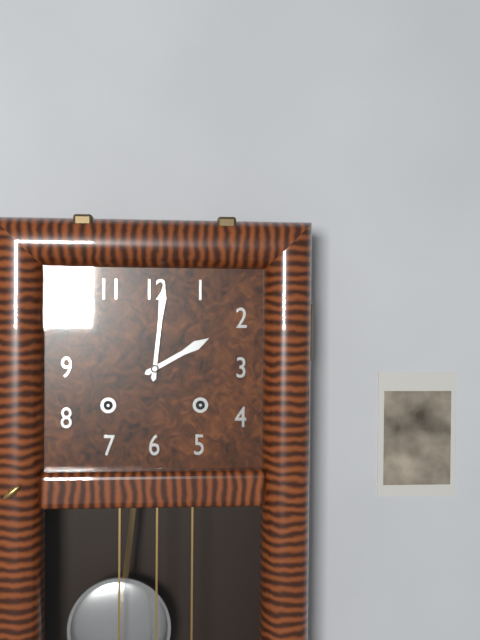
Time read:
2,01
